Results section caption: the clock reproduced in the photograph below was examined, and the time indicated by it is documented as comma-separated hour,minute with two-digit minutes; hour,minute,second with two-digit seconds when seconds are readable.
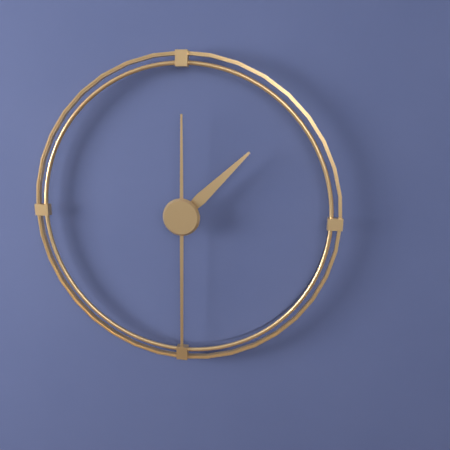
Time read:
1,30
